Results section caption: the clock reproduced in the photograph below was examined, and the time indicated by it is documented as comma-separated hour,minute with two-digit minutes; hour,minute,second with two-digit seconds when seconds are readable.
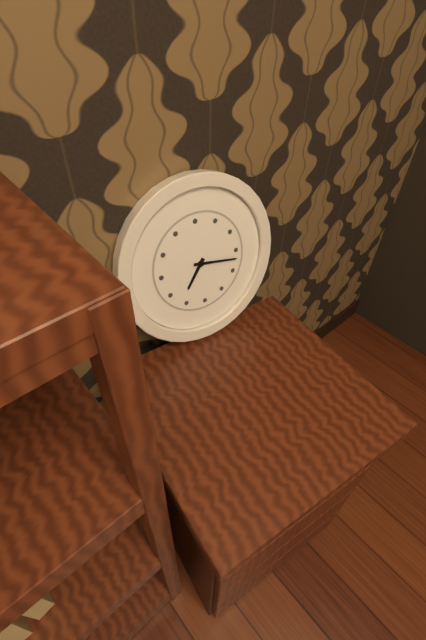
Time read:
7,17
